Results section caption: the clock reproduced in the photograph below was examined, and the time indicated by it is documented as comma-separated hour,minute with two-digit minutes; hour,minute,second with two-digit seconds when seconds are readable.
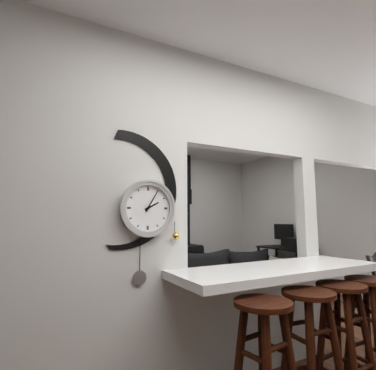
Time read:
2,05
